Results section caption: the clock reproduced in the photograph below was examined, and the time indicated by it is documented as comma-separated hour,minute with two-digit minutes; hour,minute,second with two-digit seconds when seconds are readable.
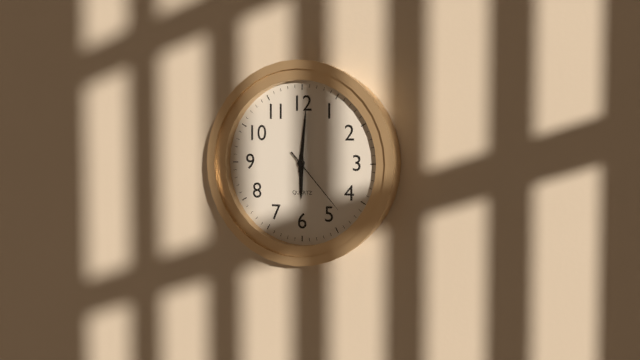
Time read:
6,01,23
